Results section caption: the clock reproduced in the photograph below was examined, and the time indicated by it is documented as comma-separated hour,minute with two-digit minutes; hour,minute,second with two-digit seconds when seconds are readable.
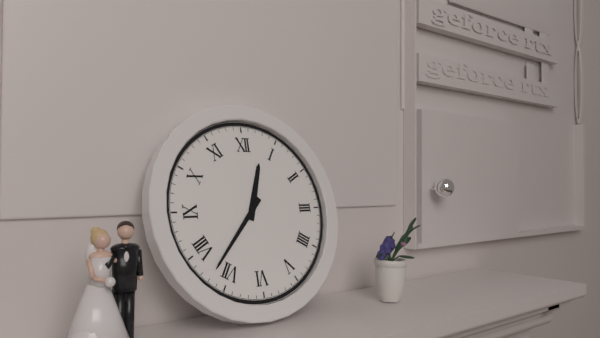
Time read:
12,37
